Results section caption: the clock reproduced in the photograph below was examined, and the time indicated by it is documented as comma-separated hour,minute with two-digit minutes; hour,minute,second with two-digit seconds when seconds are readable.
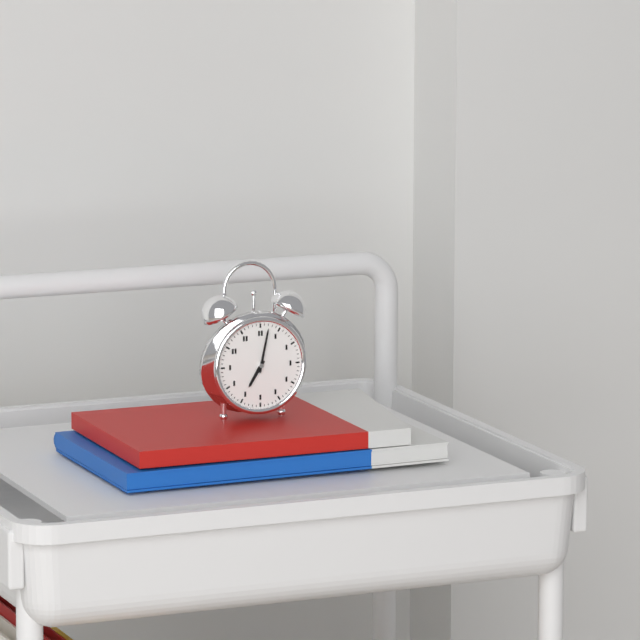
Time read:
7,02
